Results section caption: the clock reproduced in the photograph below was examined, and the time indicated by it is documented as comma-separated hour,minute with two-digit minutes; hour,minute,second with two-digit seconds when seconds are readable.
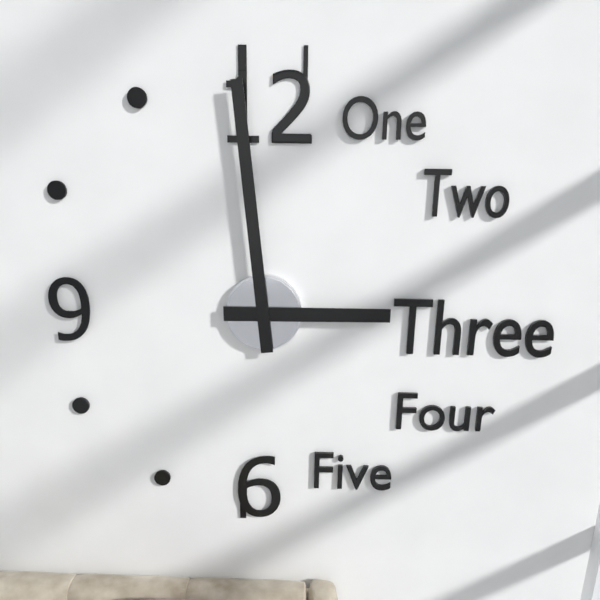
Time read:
2,59
